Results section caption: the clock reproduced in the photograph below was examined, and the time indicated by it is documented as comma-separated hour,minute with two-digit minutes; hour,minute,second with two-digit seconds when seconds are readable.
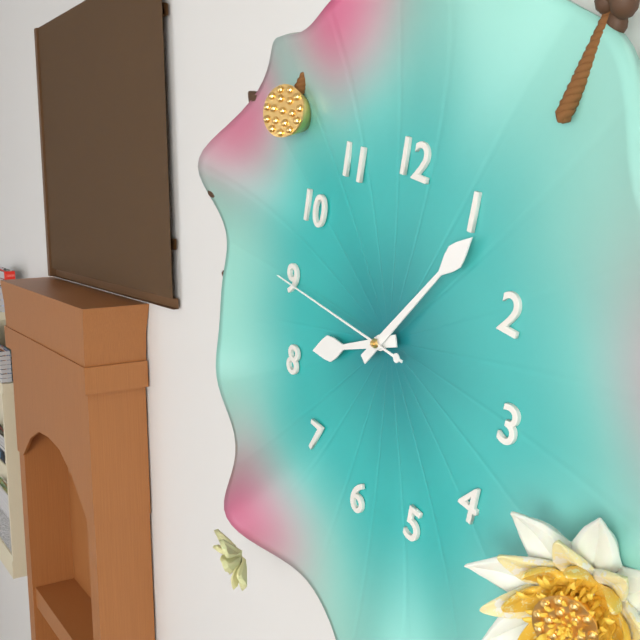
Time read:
8,06,45
